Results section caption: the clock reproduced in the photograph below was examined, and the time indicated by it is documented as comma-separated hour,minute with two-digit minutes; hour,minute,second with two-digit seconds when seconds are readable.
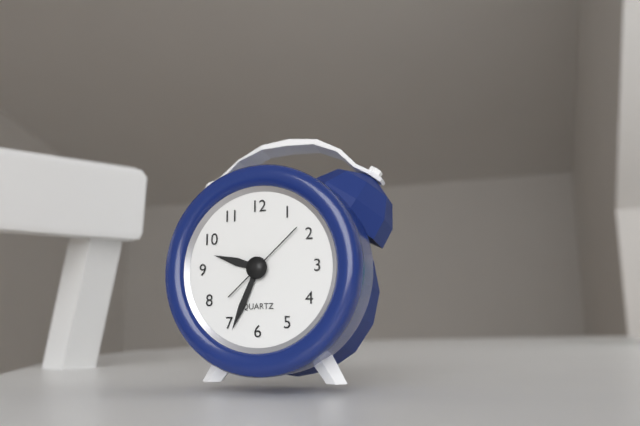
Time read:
9,34,08
